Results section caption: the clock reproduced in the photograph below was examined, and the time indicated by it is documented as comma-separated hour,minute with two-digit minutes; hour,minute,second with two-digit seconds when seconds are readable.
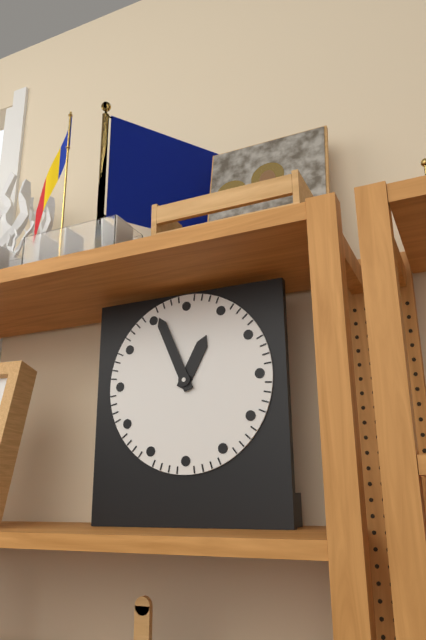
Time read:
12,56
